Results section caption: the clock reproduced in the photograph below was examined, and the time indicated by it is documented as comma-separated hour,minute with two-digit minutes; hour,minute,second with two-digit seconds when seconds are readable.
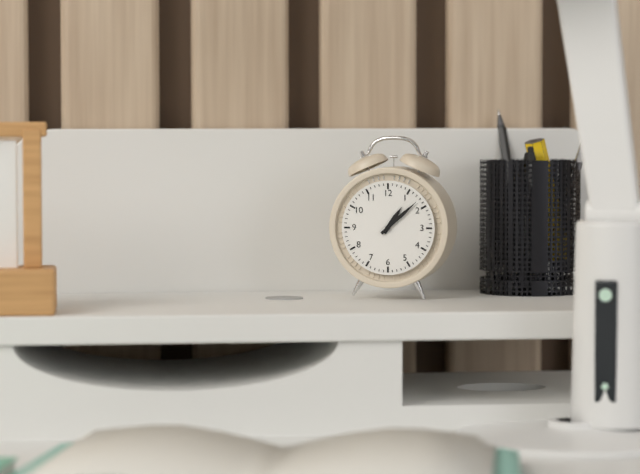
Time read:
1,08
